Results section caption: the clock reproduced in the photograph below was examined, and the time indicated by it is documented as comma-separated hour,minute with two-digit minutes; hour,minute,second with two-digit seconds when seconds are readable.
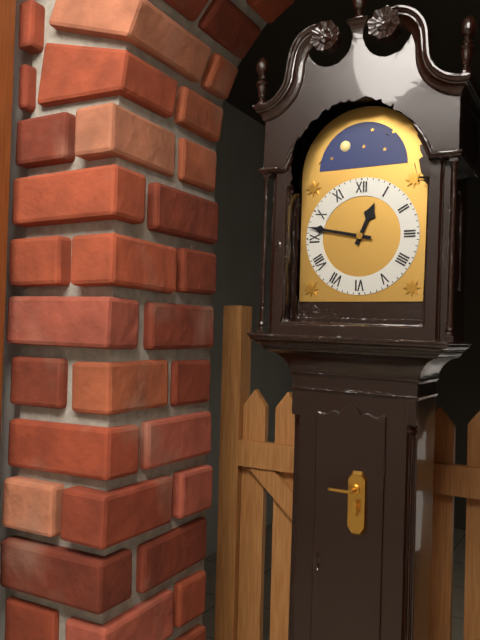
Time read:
12,47
